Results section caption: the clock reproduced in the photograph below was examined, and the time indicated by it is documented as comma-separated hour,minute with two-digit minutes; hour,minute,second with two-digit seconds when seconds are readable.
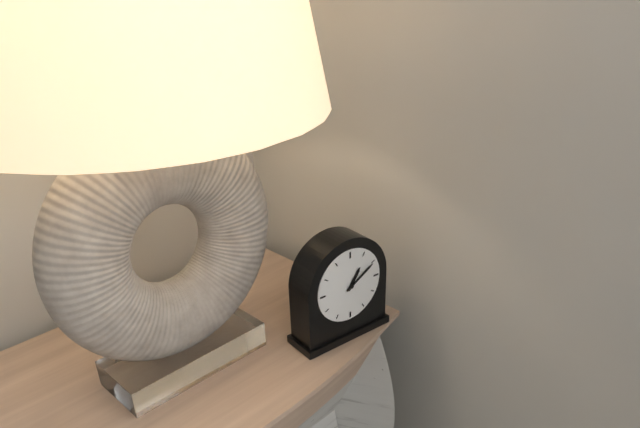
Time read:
1,10
